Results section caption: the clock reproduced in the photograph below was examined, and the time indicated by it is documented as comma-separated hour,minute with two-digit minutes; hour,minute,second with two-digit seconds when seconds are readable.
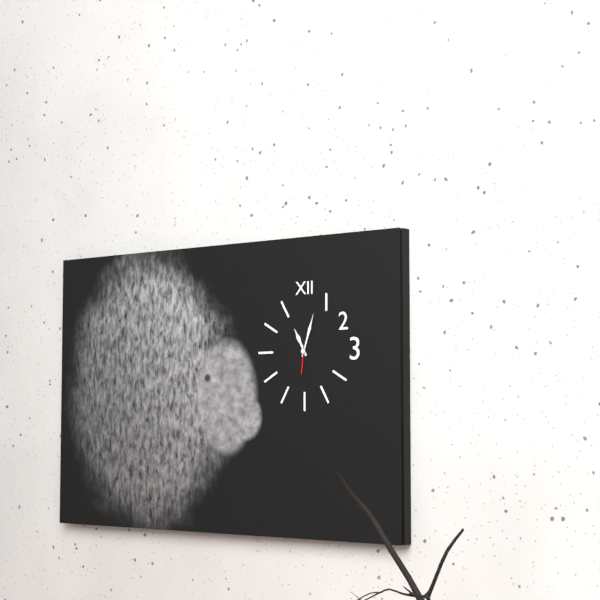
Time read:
11,03
